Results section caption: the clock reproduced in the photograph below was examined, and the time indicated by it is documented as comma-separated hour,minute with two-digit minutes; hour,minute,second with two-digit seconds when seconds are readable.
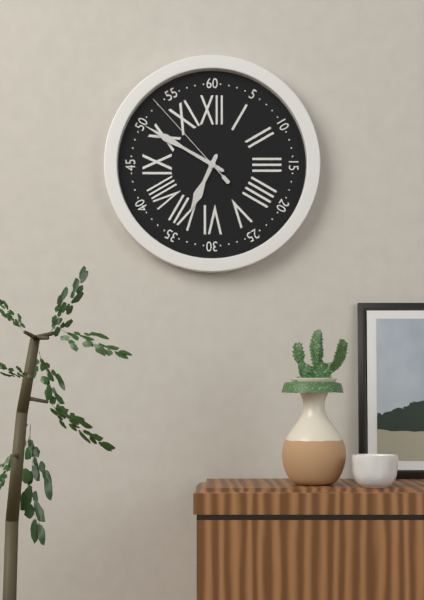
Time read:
6,50,53
